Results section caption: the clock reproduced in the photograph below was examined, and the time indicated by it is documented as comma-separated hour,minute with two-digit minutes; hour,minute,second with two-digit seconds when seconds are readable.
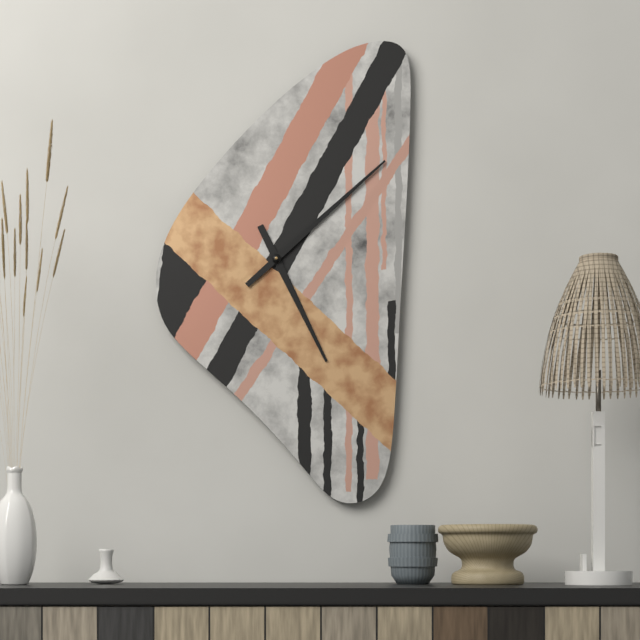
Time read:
5,08
